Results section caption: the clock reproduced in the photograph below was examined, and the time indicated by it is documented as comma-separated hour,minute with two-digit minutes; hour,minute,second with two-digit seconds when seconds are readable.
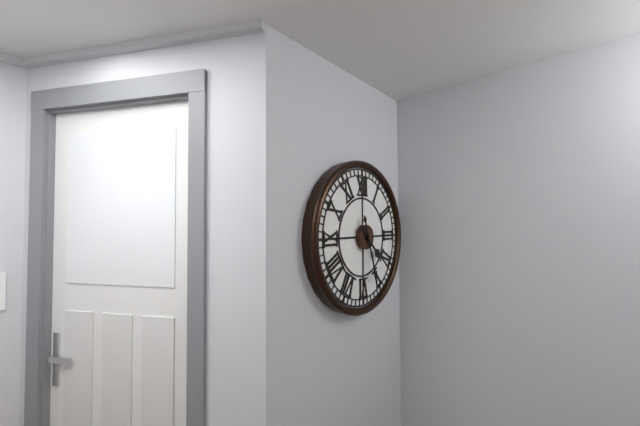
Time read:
4,27
